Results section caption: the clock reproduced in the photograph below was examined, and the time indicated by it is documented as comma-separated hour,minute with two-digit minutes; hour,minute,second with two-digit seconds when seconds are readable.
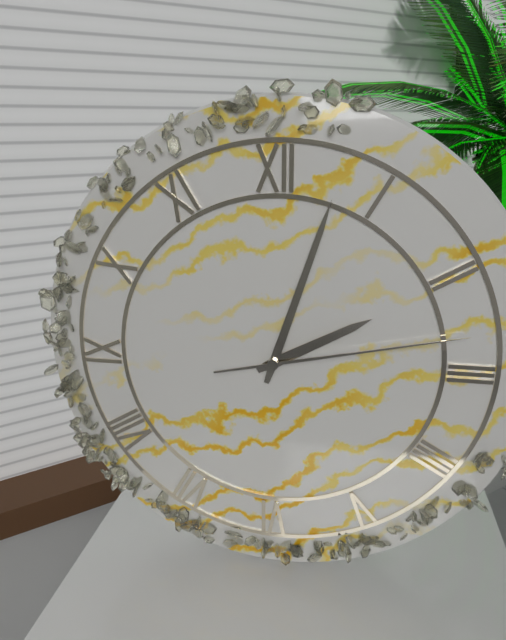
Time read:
2,03,13
